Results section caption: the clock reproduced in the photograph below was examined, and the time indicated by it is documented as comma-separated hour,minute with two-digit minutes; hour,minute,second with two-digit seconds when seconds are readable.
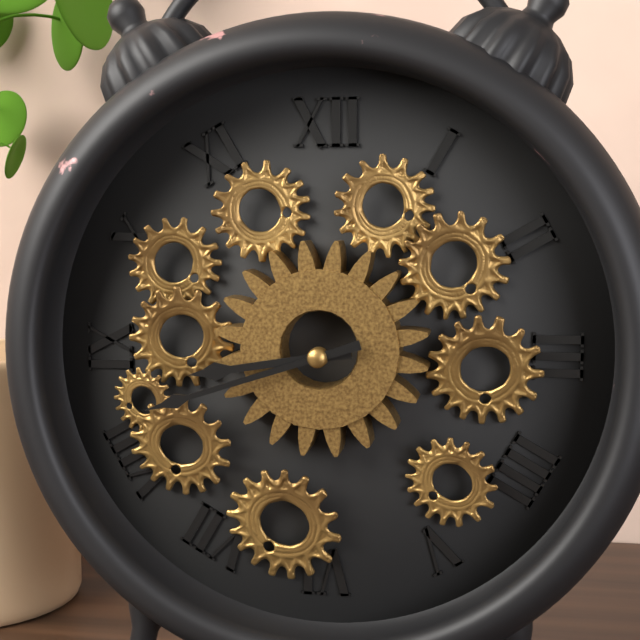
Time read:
8,42
